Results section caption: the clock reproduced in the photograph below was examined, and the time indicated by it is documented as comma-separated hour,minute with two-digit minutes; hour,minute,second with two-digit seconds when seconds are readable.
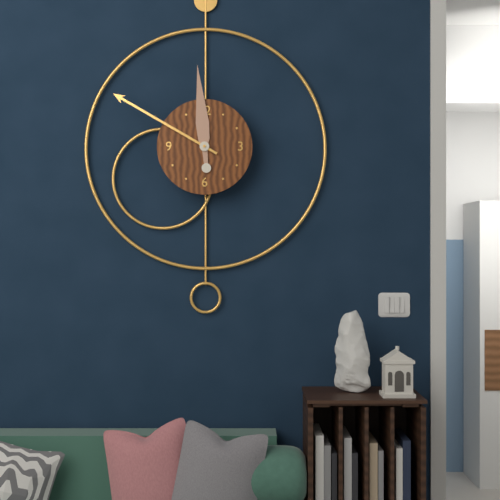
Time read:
11,50
